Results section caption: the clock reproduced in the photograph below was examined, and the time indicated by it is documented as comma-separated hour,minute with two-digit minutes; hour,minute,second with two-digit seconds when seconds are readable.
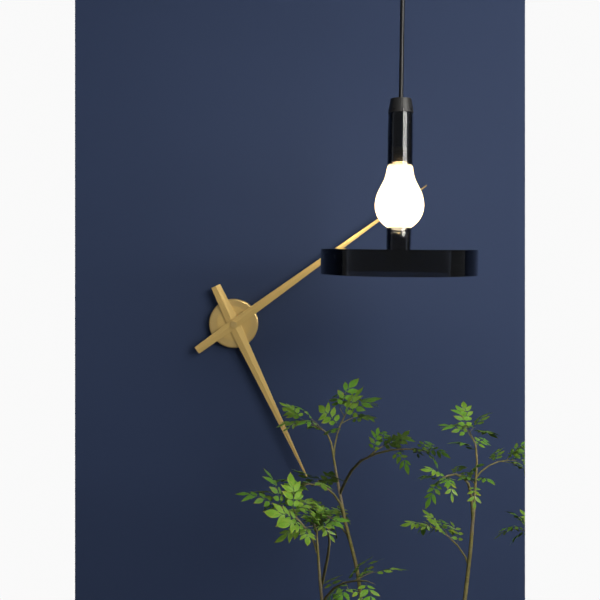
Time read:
5,09
